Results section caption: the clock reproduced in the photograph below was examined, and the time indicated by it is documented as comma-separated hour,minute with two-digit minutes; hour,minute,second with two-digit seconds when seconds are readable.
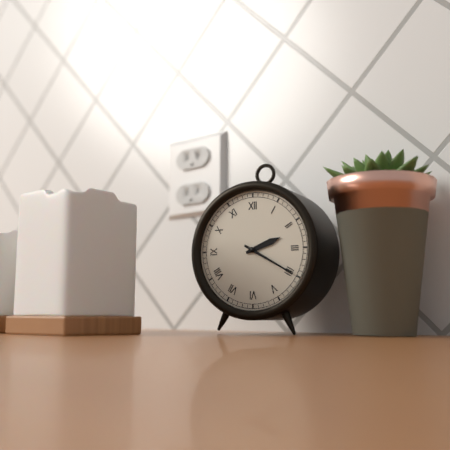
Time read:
2,20
